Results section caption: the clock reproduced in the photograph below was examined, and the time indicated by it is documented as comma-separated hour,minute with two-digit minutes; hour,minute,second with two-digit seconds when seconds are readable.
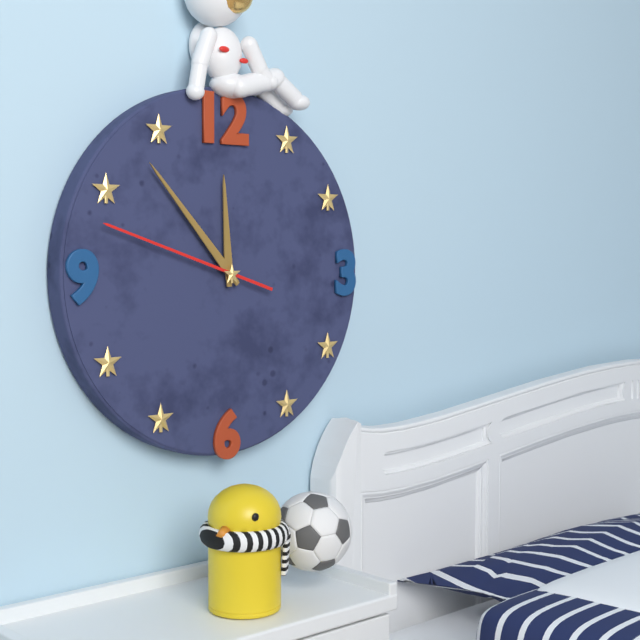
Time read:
11,53,48
